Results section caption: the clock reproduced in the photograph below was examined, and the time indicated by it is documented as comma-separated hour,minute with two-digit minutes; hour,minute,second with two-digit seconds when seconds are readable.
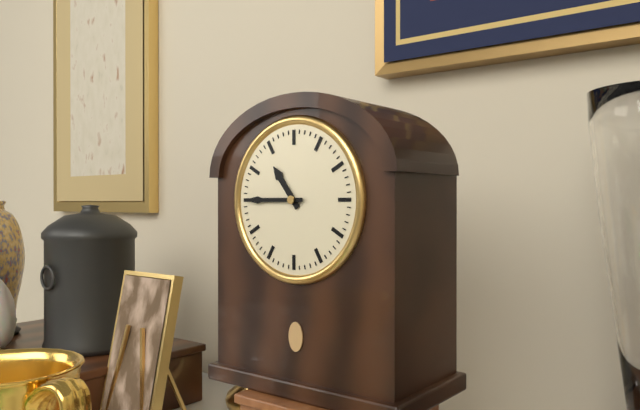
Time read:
10,45
